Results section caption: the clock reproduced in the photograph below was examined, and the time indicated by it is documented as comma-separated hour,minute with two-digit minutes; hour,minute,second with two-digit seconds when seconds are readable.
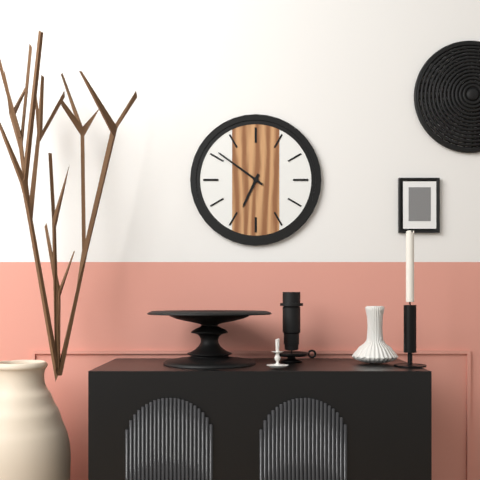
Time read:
6,51
